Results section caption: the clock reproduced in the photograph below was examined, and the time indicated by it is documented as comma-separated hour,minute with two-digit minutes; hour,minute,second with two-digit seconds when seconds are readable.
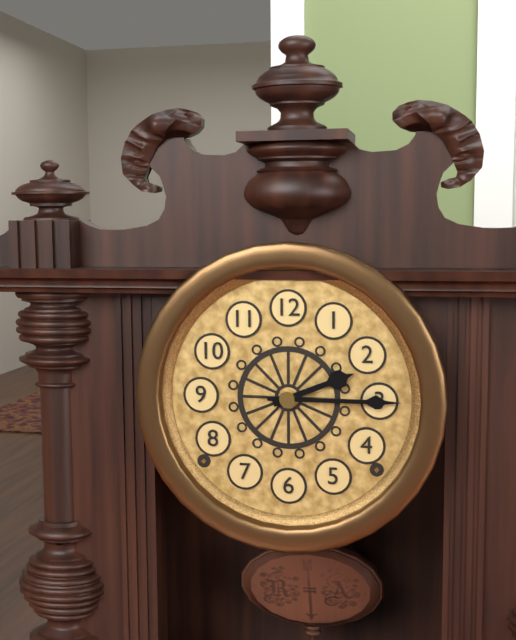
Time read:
2,15
